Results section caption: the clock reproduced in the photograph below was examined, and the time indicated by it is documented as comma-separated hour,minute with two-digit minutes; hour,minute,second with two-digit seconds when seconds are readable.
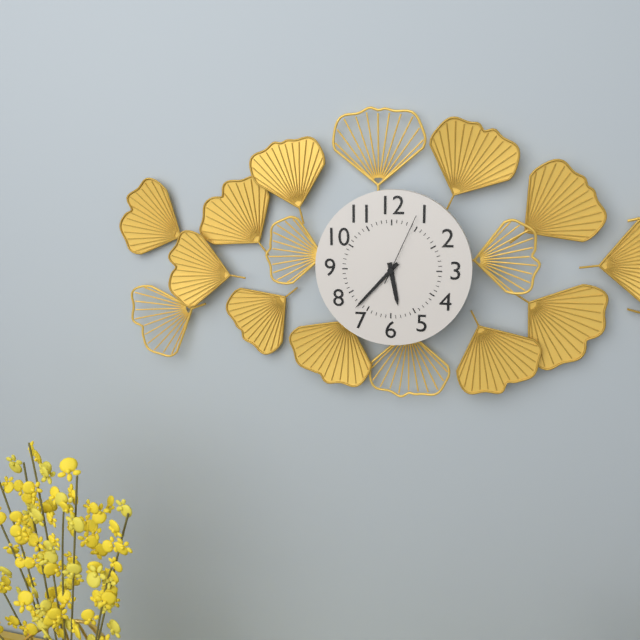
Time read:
5,37,04
